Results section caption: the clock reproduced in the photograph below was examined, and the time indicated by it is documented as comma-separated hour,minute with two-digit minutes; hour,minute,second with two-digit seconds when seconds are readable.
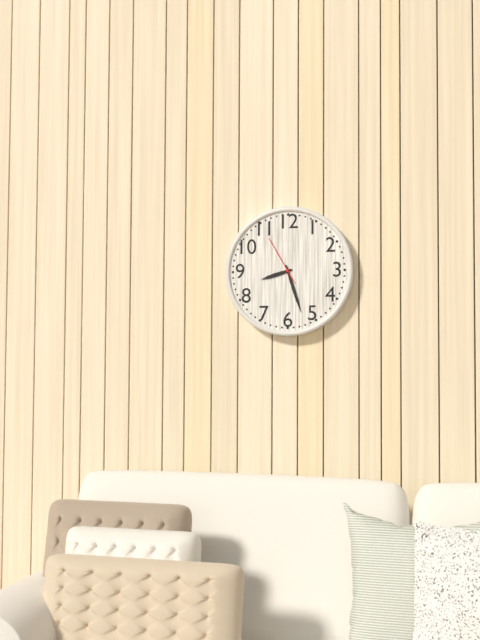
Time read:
8,27
